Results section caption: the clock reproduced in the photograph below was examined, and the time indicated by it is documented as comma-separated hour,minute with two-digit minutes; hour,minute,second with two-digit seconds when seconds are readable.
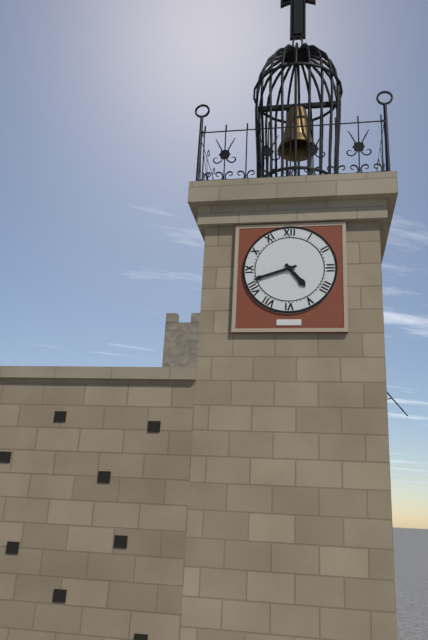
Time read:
4,42
